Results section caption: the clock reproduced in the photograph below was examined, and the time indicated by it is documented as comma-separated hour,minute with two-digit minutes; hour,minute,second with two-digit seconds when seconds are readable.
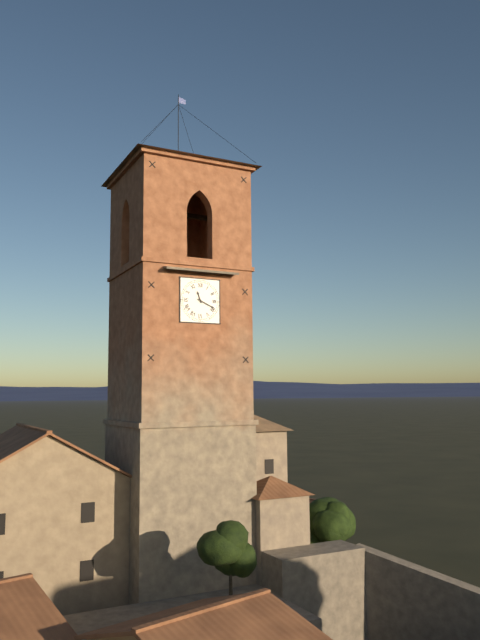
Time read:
11,19
